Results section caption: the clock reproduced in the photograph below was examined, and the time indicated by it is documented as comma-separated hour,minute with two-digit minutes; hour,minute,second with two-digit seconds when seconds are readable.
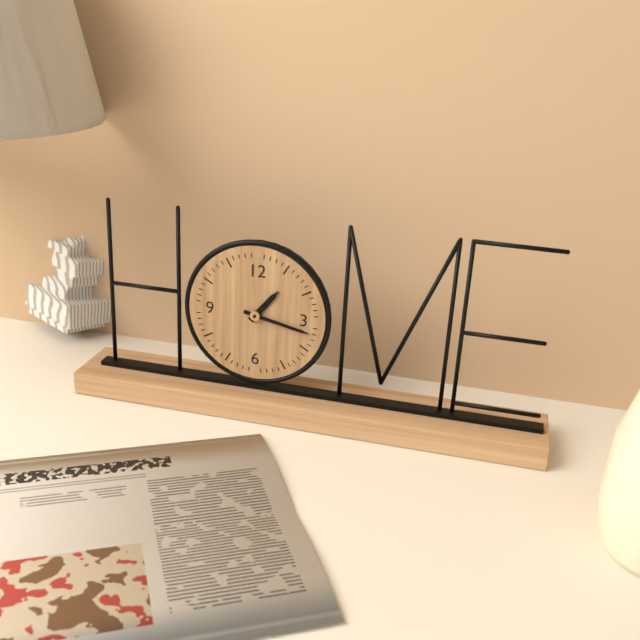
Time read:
1,17
